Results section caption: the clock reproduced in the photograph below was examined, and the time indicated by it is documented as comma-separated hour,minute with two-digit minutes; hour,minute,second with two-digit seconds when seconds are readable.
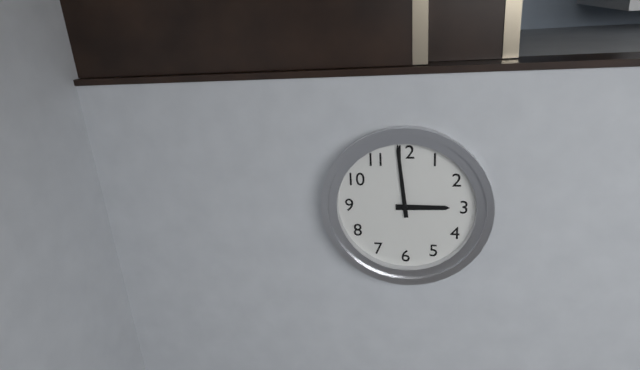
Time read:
2,59
